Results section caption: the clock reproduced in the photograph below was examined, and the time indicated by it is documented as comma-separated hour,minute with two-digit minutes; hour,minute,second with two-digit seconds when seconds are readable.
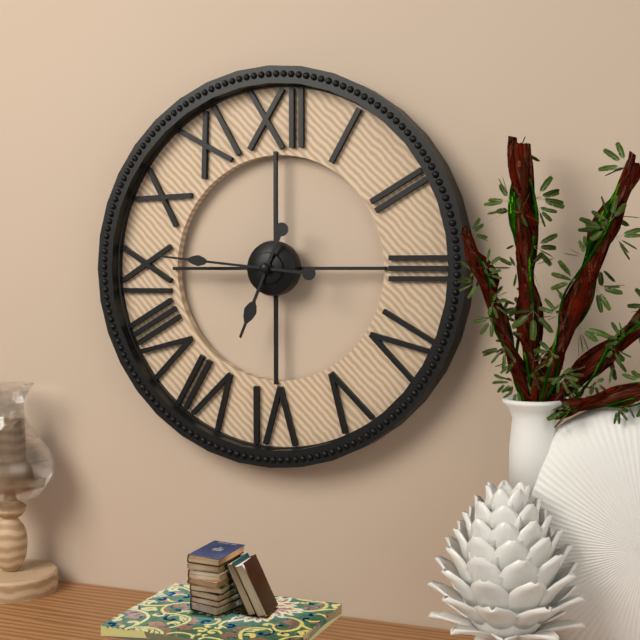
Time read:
6,46
